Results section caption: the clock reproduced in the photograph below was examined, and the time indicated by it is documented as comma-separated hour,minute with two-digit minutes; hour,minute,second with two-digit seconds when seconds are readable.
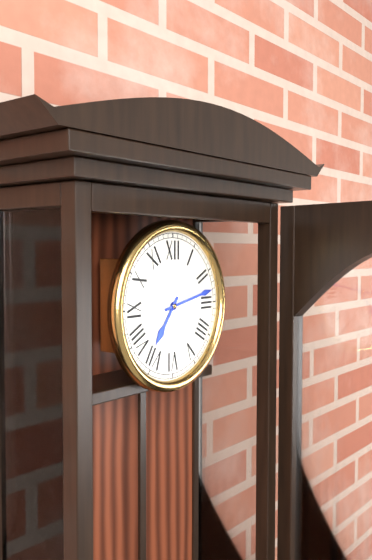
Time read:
7,13
